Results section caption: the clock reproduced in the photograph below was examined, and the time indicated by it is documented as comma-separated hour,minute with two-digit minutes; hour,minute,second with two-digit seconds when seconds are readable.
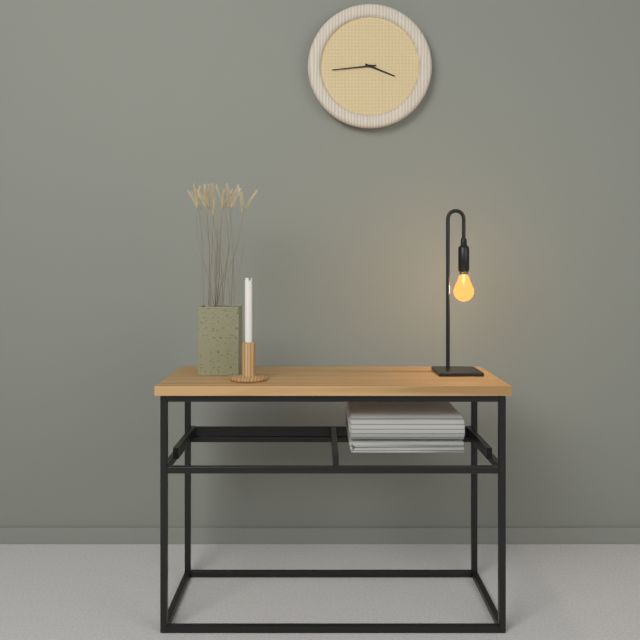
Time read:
3,44
